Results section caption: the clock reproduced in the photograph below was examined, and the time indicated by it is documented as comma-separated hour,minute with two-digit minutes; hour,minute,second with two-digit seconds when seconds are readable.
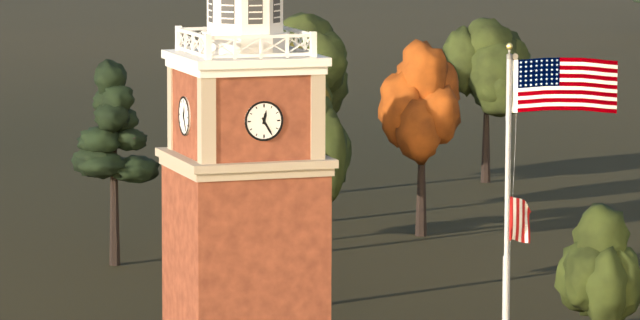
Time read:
12,25
